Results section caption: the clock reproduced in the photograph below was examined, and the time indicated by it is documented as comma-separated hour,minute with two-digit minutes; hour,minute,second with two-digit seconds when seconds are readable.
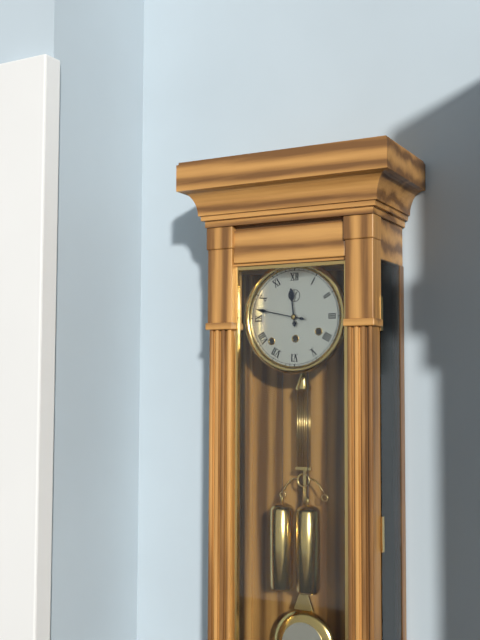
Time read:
11,47
